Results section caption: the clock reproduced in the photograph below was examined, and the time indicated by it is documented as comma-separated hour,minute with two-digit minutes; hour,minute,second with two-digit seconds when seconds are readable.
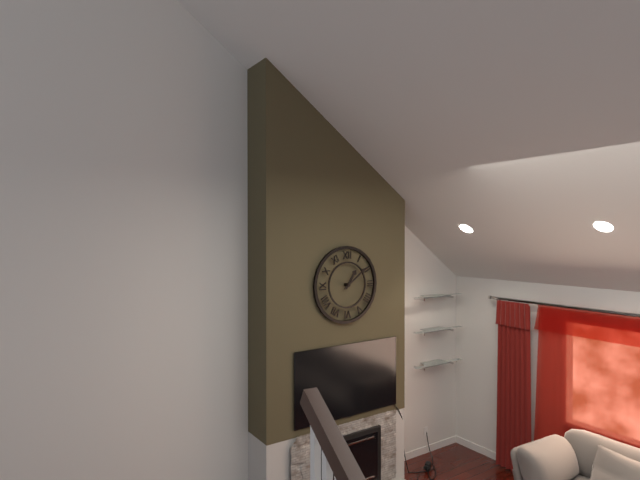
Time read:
1,09
